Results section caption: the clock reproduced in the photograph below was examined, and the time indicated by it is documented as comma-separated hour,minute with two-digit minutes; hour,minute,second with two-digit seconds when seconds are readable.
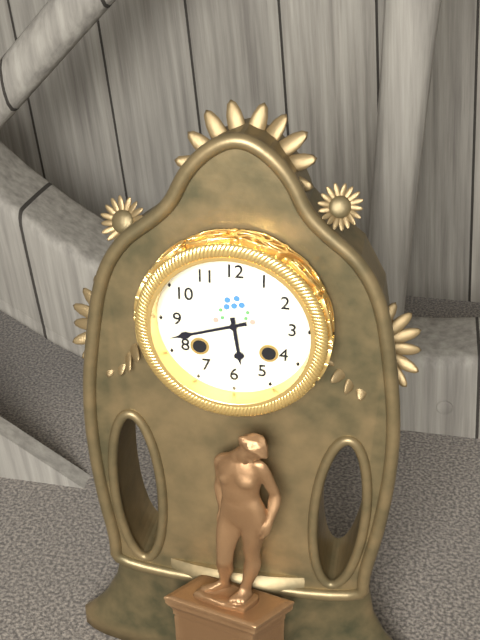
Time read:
5,42
